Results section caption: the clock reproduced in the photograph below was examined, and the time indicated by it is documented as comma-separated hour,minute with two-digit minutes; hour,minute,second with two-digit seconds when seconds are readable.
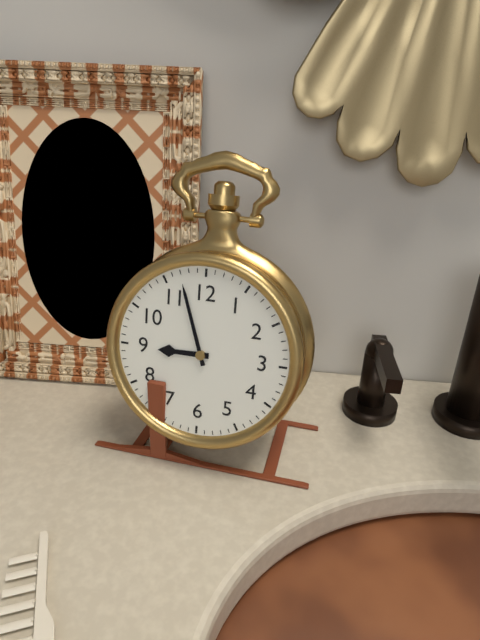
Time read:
8,57
